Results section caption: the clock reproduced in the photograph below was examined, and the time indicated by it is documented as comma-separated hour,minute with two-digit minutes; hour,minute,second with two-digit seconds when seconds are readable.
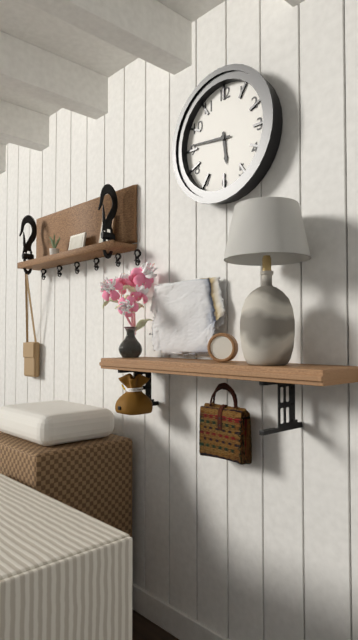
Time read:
5,46
